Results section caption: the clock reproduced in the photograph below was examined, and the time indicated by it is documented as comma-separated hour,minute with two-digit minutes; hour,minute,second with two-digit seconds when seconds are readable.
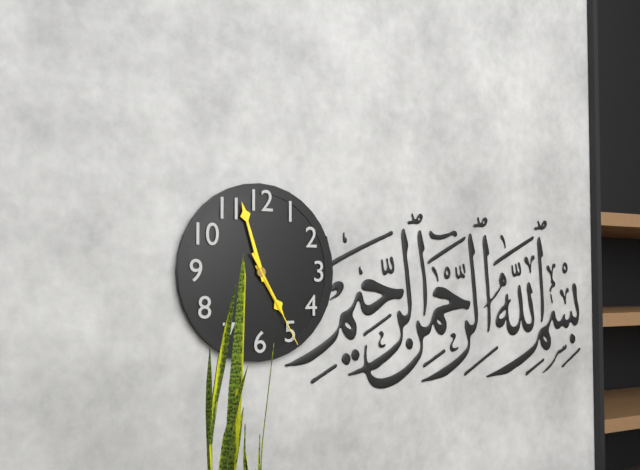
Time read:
4,57,25
